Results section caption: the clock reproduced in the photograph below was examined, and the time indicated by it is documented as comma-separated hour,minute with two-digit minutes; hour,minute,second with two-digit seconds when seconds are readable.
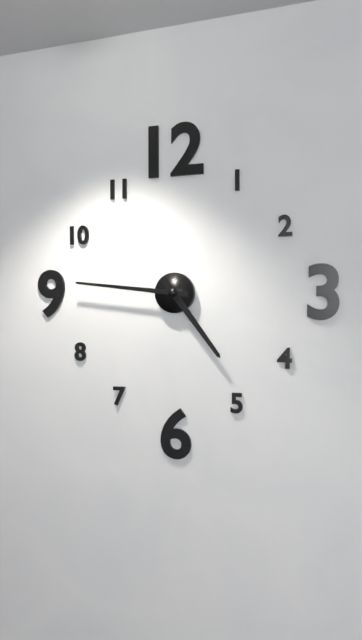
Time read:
4,46
